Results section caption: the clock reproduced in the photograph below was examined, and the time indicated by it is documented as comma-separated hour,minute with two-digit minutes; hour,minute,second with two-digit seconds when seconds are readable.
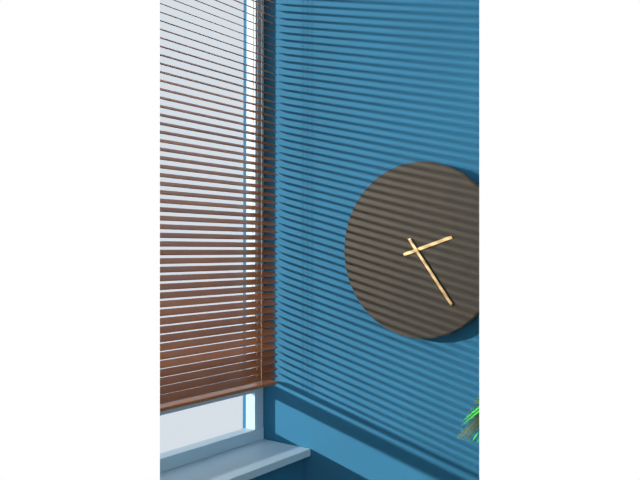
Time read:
2,24
